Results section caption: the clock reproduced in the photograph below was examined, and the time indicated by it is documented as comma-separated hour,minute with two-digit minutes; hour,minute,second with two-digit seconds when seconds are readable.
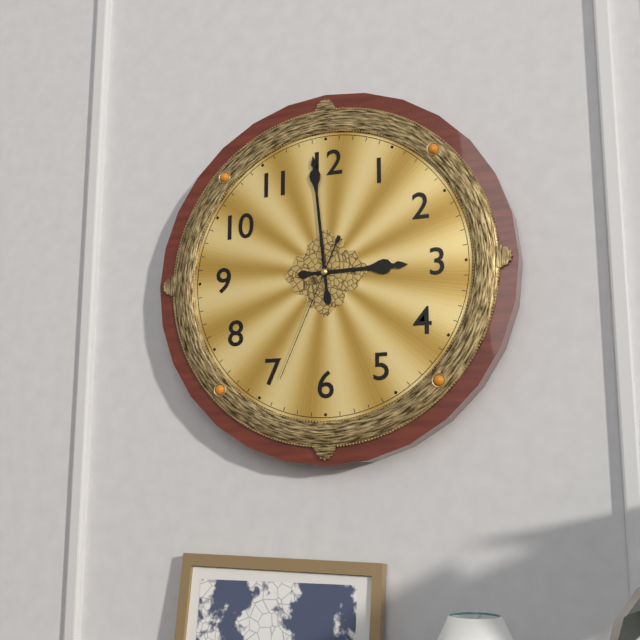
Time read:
2,59,34
